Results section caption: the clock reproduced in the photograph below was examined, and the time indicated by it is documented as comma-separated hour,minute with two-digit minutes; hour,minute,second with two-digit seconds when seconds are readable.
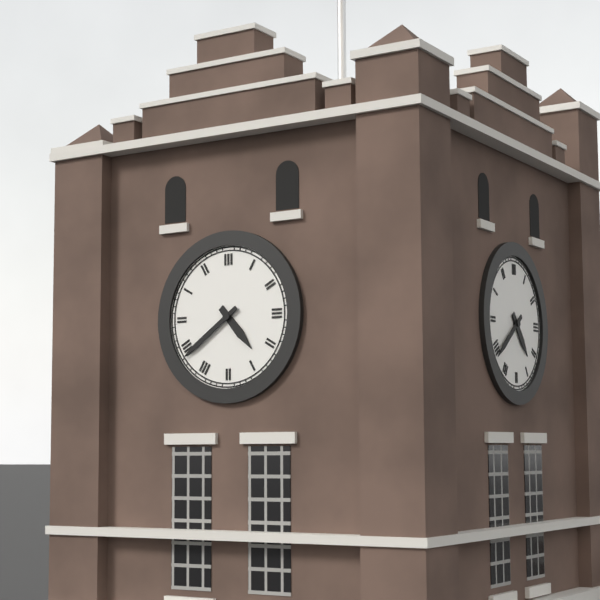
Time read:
4,39
